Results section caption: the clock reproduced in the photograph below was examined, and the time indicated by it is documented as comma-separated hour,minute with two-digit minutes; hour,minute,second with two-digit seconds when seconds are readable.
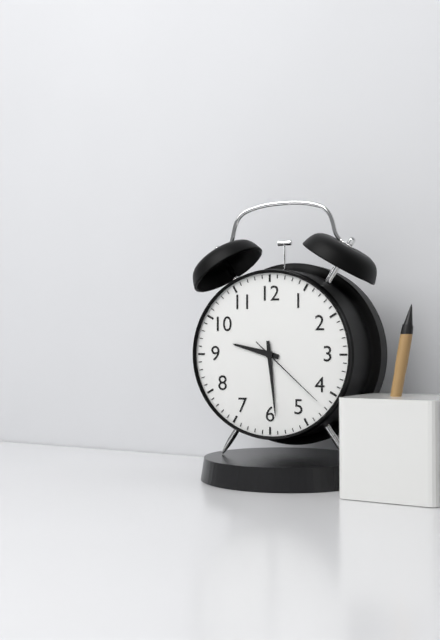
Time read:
9,29,22
